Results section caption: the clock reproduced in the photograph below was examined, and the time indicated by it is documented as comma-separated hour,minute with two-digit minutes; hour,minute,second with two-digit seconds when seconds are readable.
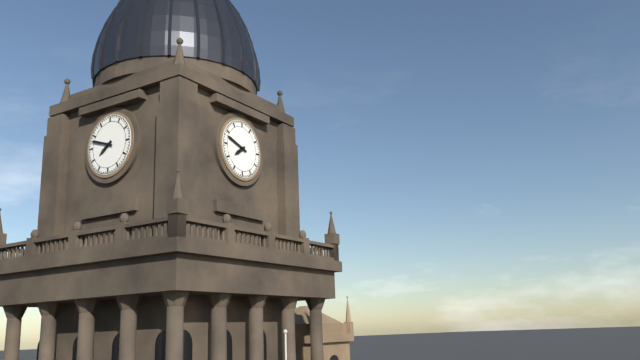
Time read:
7,48
